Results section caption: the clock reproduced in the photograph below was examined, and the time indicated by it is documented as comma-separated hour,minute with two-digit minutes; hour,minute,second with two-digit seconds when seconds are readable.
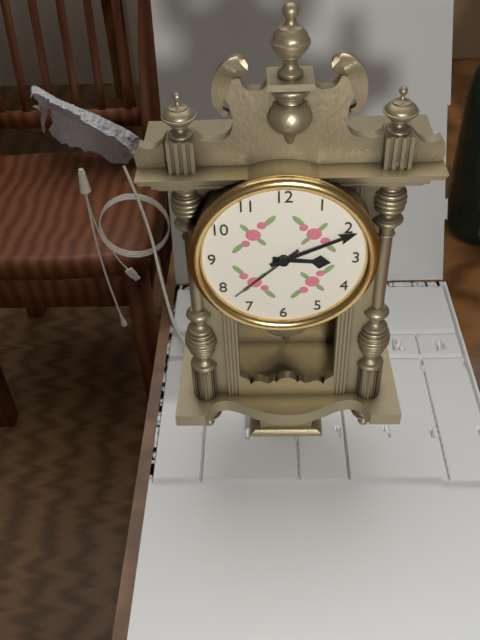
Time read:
3,11,38
